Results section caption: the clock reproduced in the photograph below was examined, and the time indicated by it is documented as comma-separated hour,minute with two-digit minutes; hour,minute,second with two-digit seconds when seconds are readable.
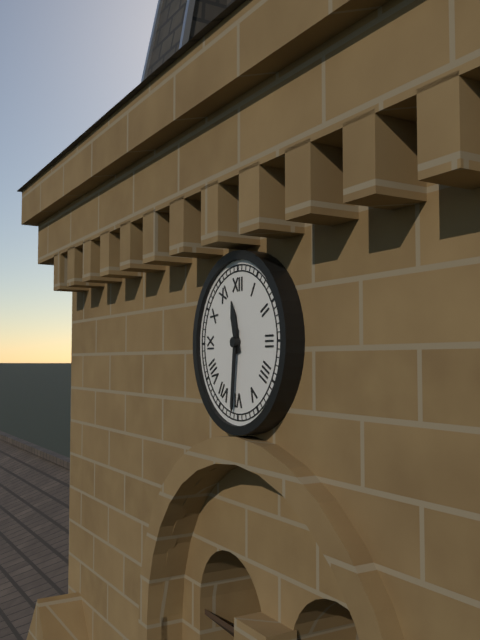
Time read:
11,31
